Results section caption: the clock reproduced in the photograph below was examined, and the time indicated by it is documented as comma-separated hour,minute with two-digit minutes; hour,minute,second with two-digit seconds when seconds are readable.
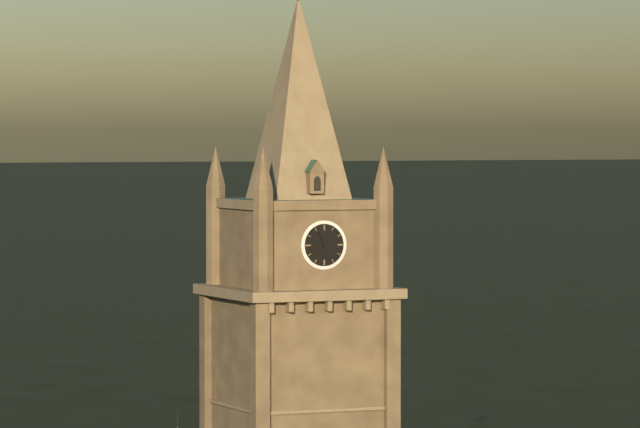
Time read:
7,56
